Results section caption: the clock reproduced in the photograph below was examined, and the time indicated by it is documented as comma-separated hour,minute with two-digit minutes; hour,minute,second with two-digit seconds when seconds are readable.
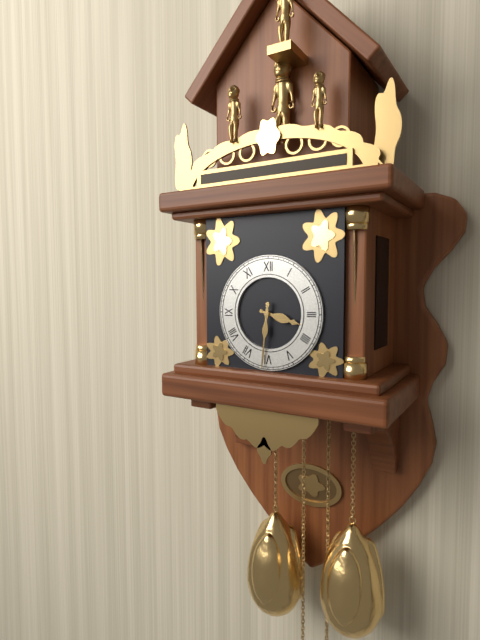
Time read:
3,31
